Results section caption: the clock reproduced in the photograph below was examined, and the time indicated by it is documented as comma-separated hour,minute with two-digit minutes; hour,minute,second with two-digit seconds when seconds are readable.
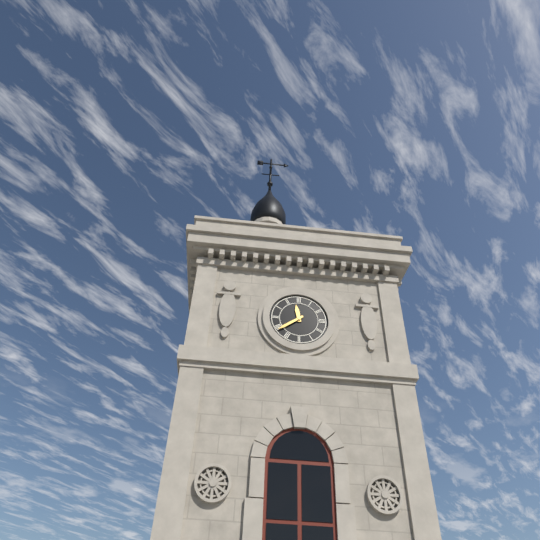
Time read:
11,39
